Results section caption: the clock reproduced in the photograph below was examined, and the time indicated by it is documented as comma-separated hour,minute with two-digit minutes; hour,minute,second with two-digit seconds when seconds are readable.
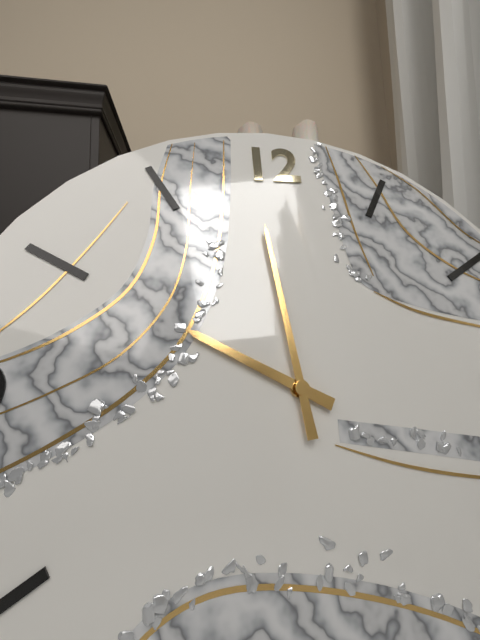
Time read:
9,59
